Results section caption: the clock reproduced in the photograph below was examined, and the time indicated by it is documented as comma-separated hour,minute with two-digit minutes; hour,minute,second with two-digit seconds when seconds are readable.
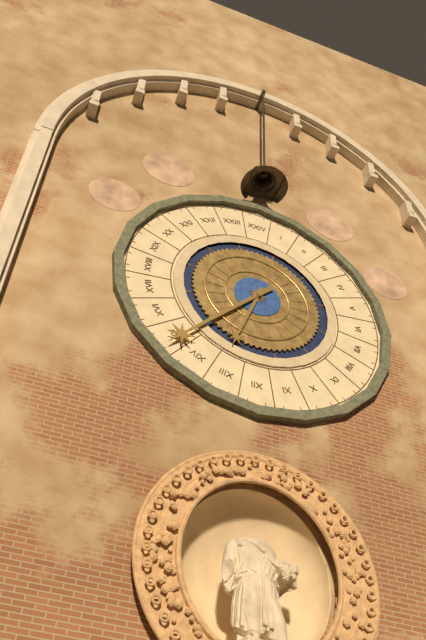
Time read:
6,37
